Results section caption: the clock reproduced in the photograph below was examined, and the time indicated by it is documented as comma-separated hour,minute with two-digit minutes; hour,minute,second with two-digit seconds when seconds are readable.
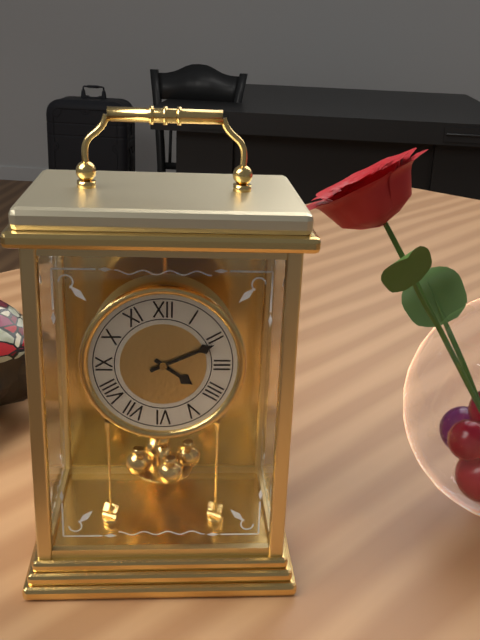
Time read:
4,11
